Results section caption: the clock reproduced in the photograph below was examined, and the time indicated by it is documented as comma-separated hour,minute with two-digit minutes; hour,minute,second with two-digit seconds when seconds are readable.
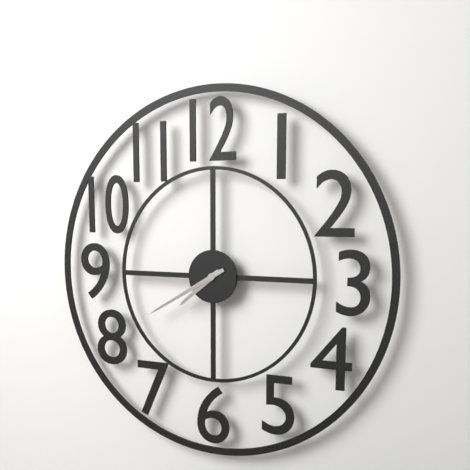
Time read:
7,40
